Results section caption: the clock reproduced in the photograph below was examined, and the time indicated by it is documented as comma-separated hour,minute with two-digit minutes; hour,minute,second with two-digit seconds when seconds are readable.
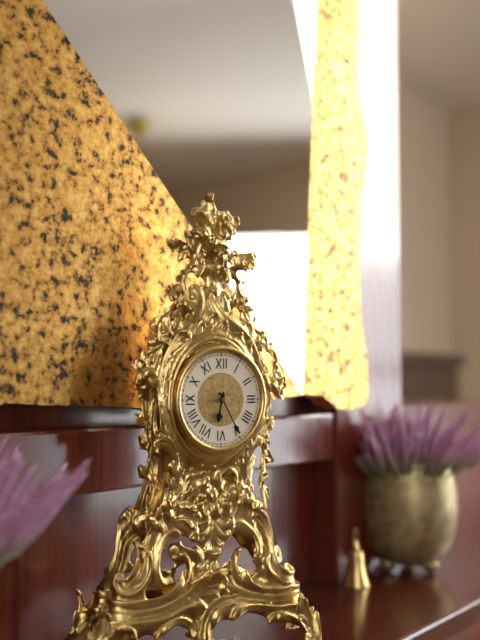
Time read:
6,25
